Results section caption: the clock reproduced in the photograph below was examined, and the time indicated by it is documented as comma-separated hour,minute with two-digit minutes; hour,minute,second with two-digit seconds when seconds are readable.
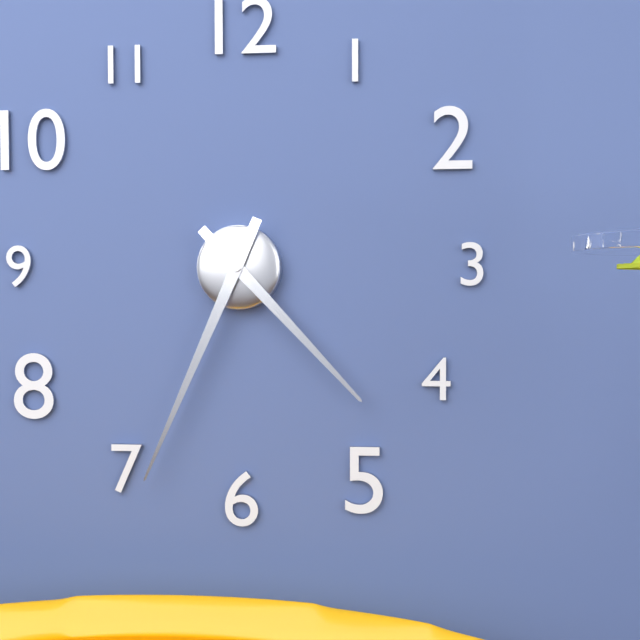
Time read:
4,34
